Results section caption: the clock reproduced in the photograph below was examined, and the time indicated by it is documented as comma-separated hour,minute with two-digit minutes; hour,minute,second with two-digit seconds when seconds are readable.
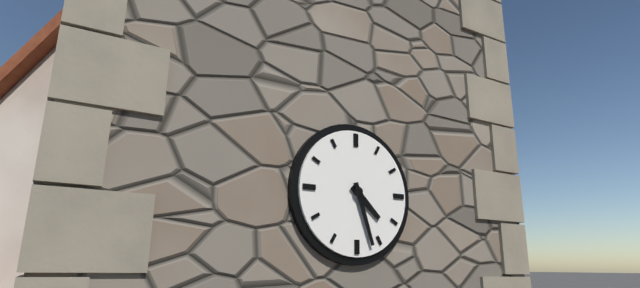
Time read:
4,27
